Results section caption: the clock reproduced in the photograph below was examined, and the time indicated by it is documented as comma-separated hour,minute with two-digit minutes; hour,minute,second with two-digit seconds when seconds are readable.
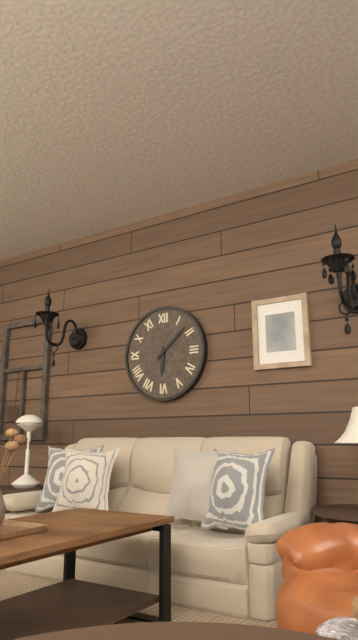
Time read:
6,08
